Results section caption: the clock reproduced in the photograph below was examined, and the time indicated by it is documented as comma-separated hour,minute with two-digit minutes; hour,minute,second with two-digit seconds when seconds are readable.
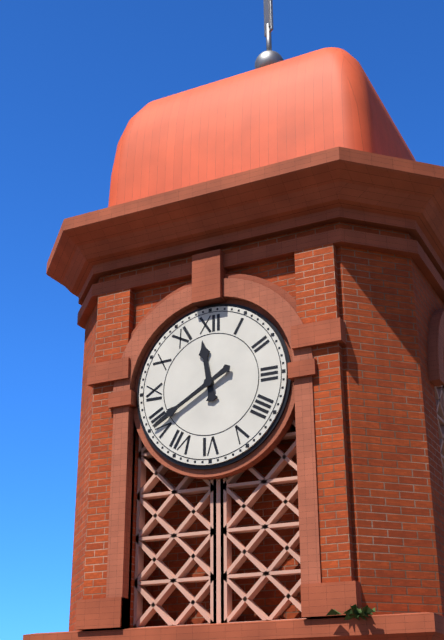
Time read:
11,40
